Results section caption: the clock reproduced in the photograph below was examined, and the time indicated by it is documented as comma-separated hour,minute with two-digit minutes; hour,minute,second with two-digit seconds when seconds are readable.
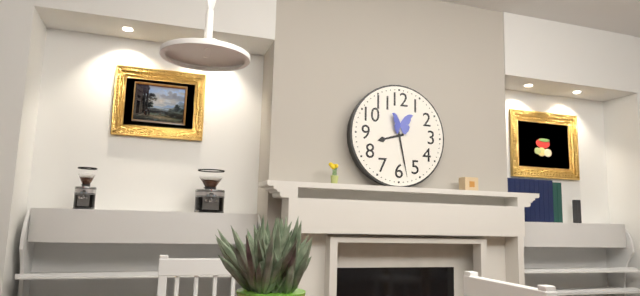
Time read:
8,28
